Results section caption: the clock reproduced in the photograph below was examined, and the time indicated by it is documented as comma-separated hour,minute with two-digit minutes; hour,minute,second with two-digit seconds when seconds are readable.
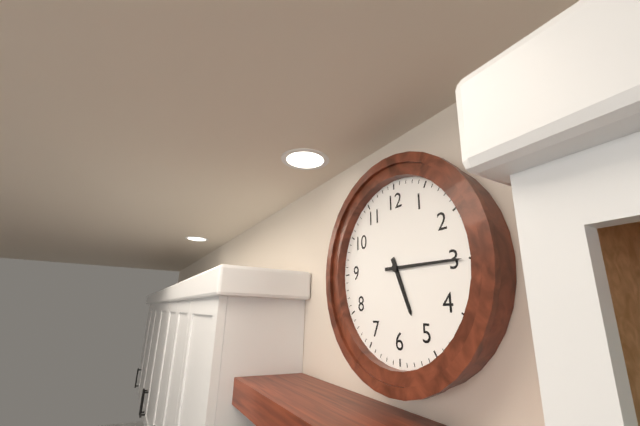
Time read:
5,15
